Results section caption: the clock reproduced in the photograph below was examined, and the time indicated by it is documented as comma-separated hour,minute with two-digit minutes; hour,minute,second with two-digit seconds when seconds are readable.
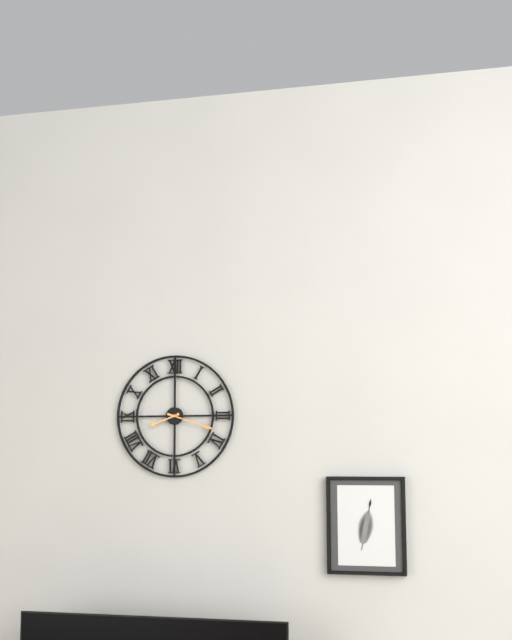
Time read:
8,18
